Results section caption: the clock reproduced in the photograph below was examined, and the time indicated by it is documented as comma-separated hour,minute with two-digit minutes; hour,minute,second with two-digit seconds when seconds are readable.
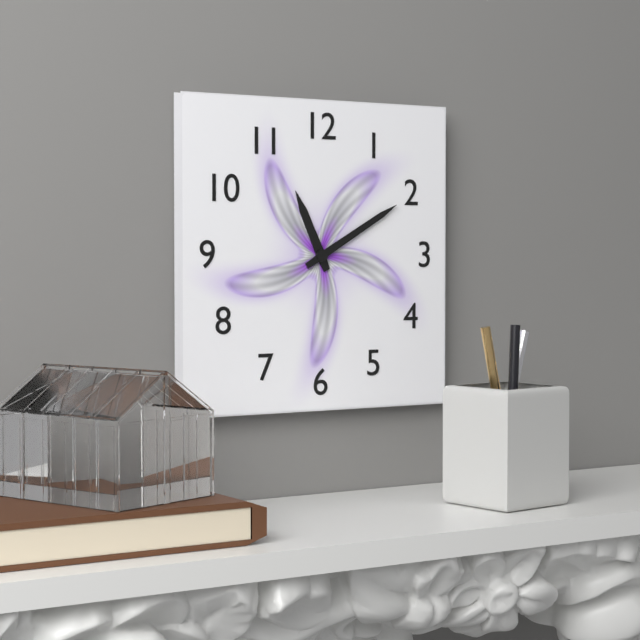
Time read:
11,10
